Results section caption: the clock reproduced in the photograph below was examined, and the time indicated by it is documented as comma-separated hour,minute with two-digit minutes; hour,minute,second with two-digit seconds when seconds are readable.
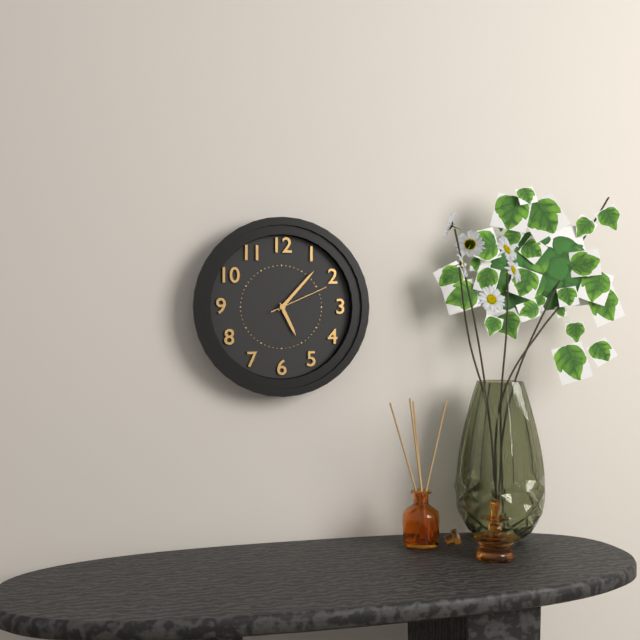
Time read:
5,07,11
